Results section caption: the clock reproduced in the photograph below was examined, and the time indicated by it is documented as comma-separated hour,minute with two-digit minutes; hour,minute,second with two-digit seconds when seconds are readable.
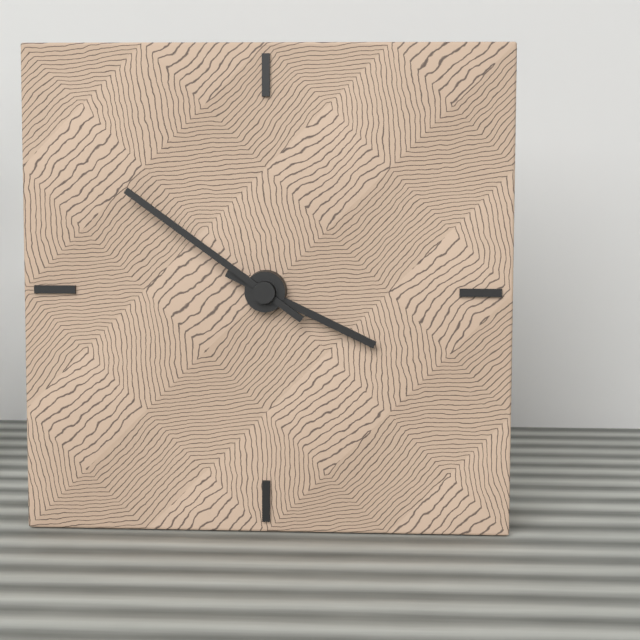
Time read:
3,51
